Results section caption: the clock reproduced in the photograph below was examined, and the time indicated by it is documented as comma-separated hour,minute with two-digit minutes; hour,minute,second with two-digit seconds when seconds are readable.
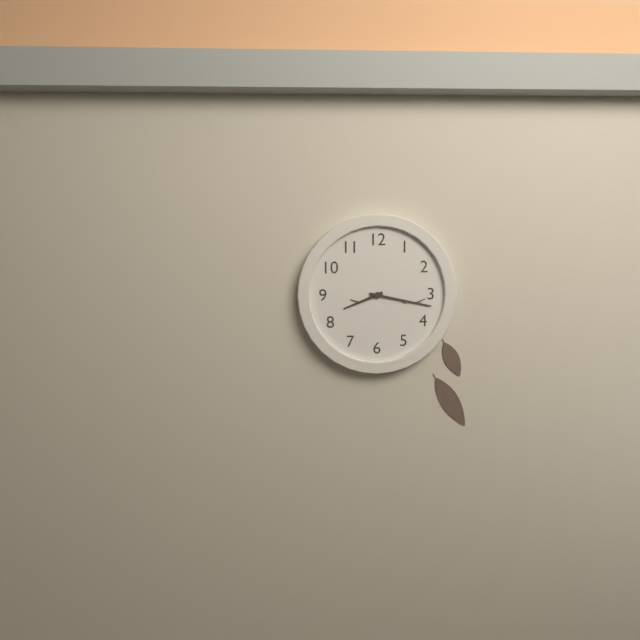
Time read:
8,17
